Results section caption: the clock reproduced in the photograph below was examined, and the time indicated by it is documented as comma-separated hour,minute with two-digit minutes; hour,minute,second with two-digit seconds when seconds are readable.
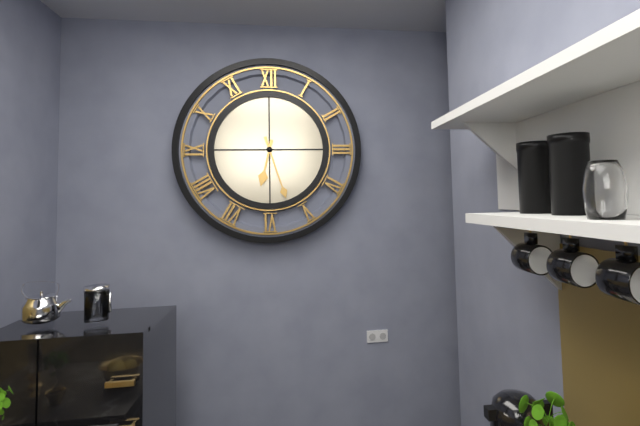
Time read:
6,27
